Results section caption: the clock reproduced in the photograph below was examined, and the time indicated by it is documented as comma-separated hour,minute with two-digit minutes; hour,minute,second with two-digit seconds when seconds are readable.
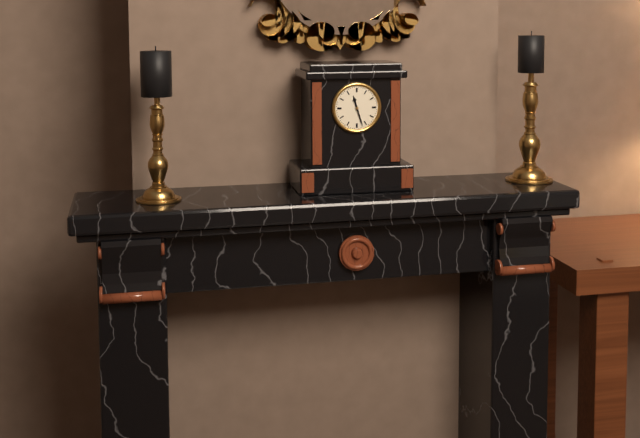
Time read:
11,27
